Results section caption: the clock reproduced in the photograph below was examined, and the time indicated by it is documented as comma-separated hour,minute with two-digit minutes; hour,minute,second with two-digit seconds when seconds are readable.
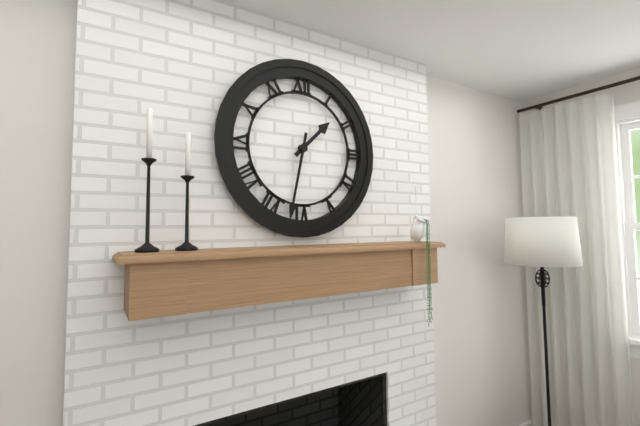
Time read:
1,32
